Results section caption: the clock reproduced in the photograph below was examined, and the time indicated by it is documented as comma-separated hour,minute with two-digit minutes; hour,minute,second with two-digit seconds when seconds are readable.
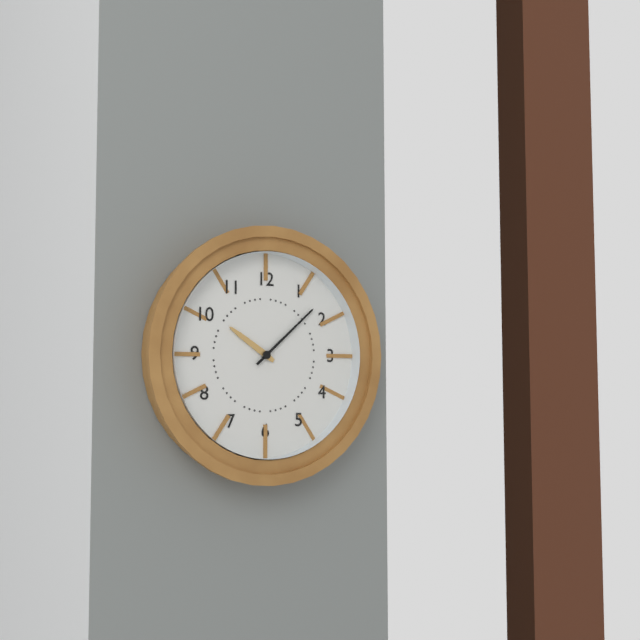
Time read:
10,08
